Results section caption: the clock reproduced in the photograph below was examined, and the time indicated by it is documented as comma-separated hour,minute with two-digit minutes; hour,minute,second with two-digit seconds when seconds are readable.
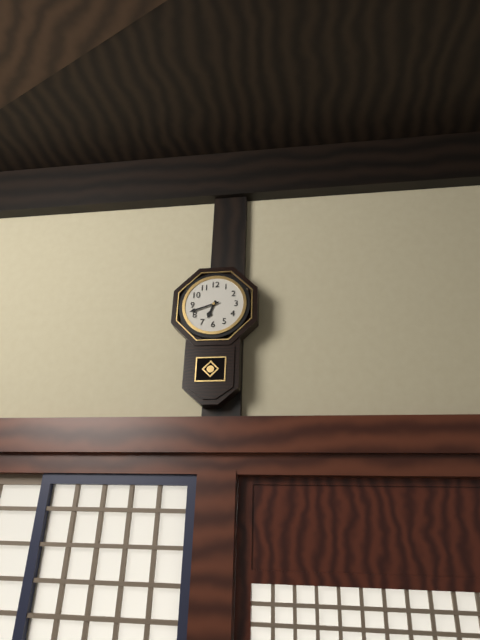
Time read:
6,42
